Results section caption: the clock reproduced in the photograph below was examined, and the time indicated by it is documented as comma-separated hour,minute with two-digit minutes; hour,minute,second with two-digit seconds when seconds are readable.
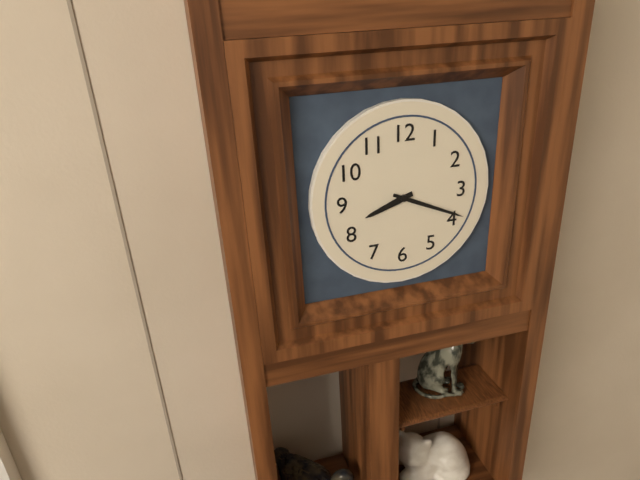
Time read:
8,19
